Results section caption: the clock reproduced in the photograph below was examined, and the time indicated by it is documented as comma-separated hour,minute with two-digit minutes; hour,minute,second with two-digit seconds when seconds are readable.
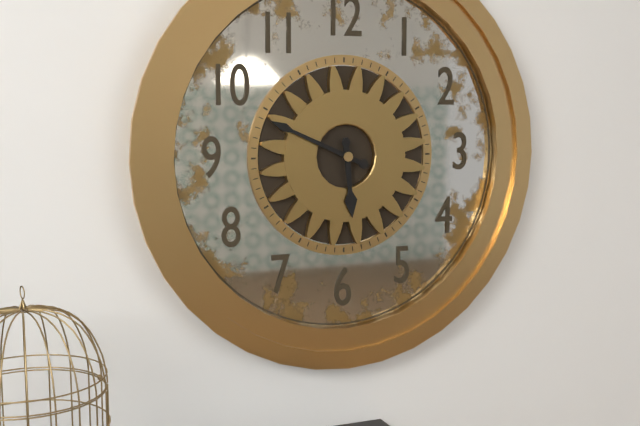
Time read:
5,49
